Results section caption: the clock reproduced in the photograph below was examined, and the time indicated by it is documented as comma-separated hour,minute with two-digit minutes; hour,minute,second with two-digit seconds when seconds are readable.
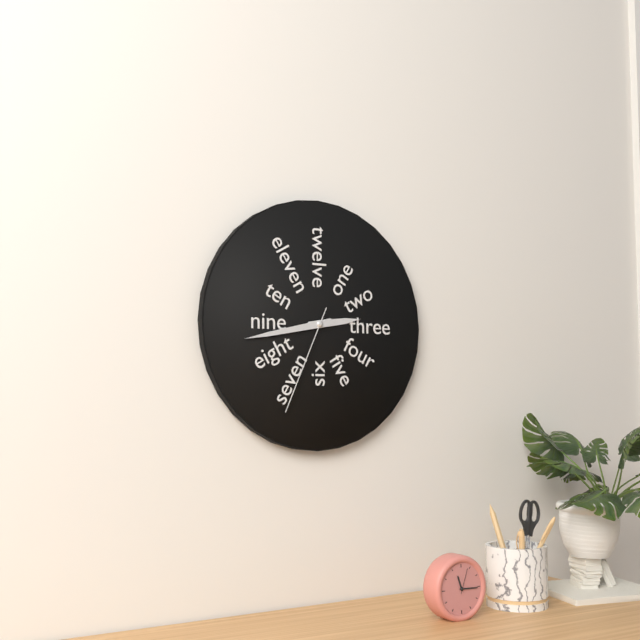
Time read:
2,43,34
